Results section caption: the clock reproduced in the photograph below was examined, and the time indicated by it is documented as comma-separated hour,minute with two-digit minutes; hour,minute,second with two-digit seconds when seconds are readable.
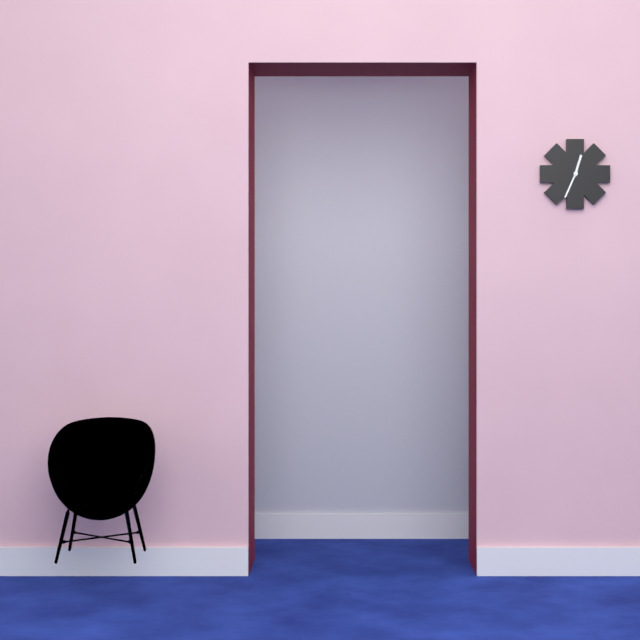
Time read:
12,34
